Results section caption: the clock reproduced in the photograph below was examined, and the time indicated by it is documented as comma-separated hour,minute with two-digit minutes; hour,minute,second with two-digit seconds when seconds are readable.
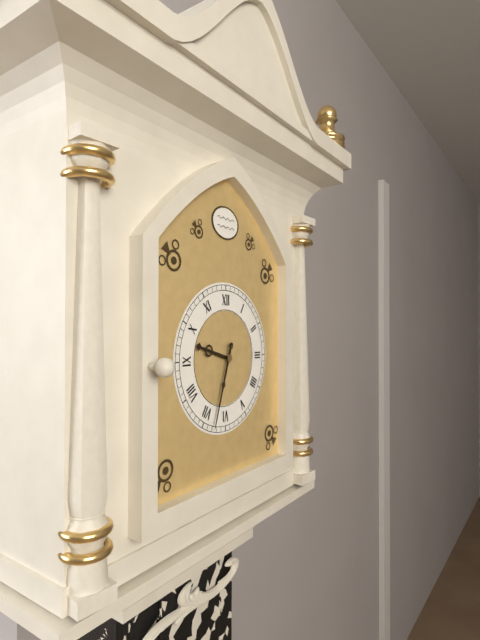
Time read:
9,33
